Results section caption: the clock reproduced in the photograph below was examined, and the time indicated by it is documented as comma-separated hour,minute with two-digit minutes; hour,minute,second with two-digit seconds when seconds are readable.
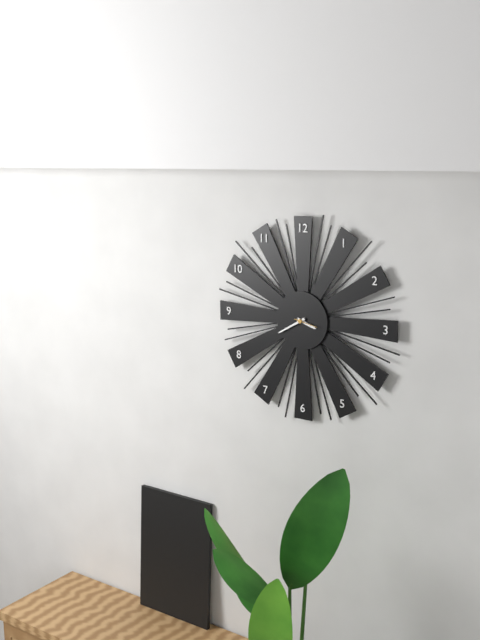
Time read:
3,40
